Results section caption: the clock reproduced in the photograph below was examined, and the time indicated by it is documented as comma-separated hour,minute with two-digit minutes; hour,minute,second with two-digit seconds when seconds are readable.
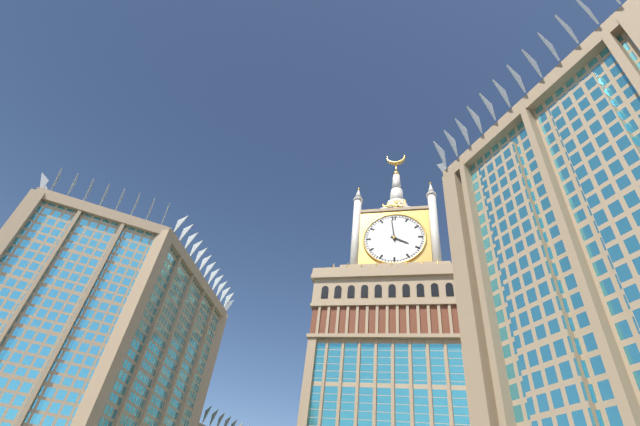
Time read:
3,59
